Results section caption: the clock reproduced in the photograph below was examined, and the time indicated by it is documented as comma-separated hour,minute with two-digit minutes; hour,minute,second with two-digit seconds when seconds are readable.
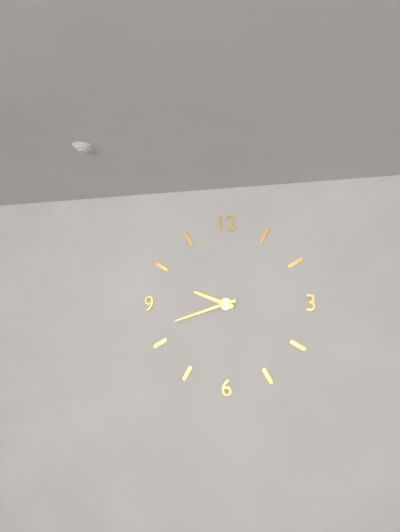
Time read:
9,42
